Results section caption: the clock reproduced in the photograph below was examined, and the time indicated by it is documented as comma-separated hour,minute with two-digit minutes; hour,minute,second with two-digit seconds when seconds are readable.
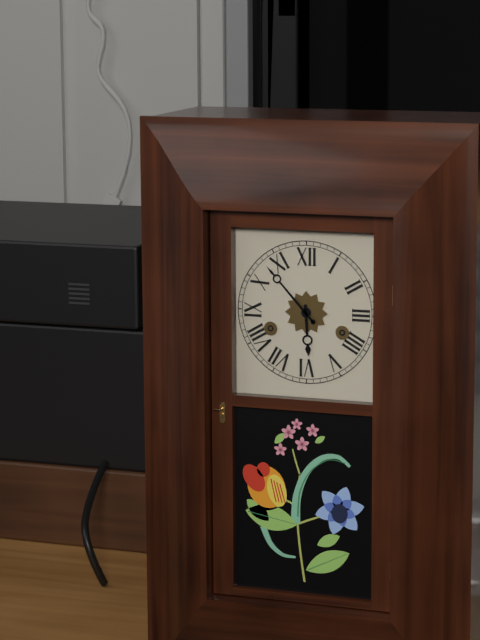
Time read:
5,53
